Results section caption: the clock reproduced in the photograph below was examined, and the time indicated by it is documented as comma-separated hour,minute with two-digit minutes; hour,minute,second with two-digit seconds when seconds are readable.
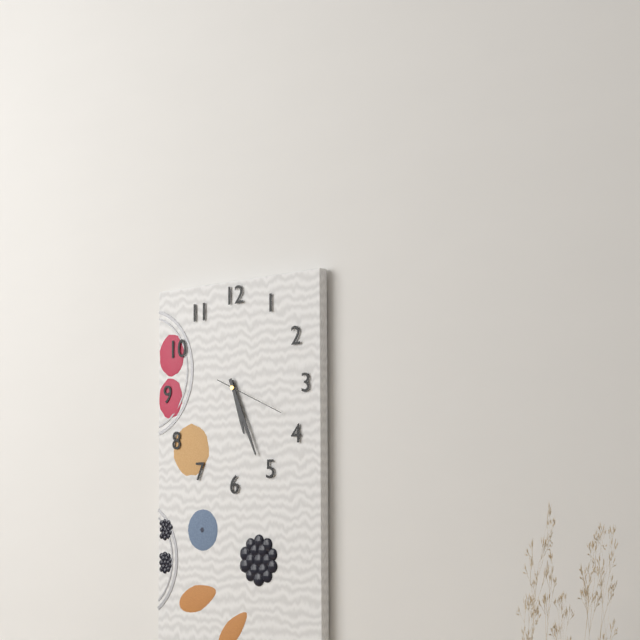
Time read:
5,26,19
